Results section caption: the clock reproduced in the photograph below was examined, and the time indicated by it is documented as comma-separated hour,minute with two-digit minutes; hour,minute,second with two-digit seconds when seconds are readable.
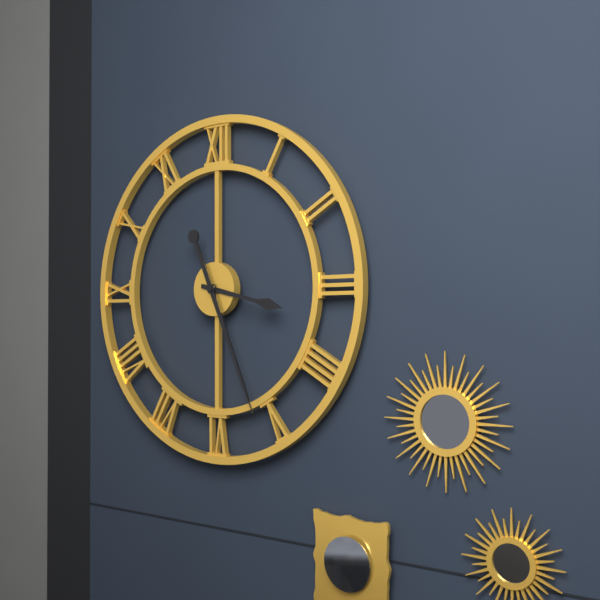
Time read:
3,26
